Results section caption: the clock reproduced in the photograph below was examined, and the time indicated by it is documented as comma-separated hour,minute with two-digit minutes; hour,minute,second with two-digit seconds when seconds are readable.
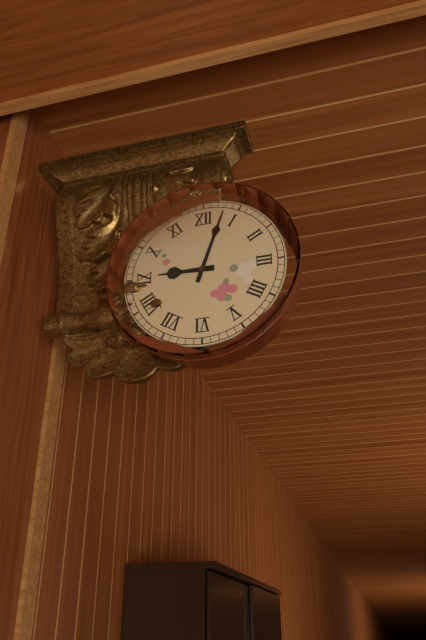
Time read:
9,03
